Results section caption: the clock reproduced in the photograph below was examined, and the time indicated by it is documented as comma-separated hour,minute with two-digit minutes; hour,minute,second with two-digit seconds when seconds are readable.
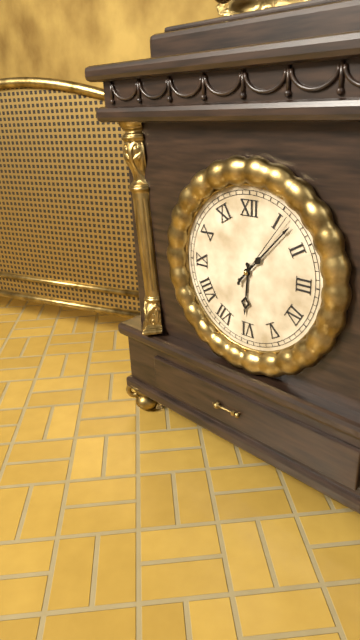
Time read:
6,07,06
